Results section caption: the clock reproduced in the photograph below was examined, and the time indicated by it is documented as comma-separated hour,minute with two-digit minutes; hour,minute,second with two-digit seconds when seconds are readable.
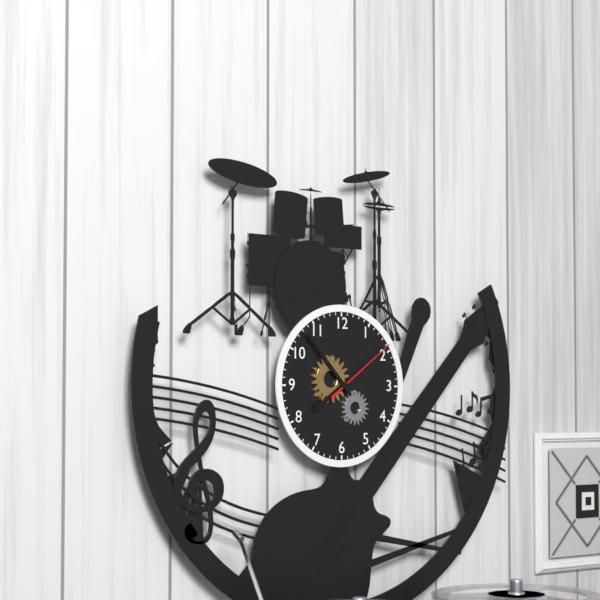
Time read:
7,53,09
